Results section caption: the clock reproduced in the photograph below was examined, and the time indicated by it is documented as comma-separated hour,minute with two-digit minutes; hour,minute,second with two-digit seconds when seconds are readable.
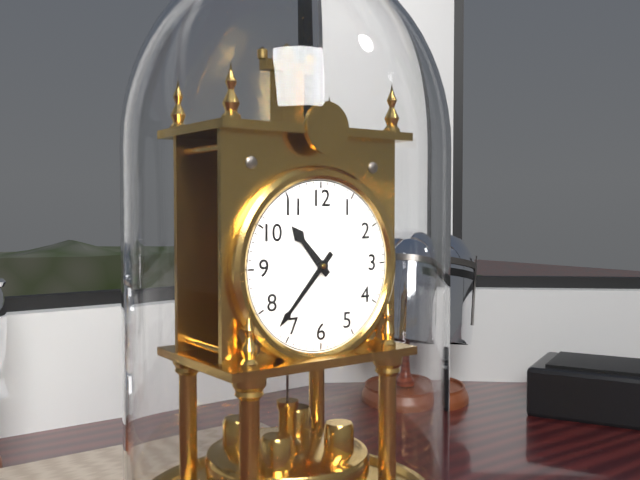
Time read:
10,37
